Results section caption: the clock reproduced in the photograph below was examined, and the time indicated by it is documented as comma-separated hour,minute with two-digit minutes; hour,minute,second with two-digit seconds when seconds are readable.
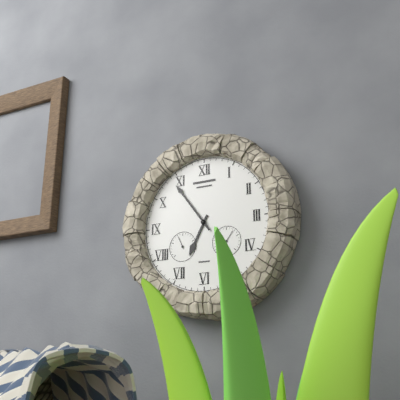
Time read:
6,54
